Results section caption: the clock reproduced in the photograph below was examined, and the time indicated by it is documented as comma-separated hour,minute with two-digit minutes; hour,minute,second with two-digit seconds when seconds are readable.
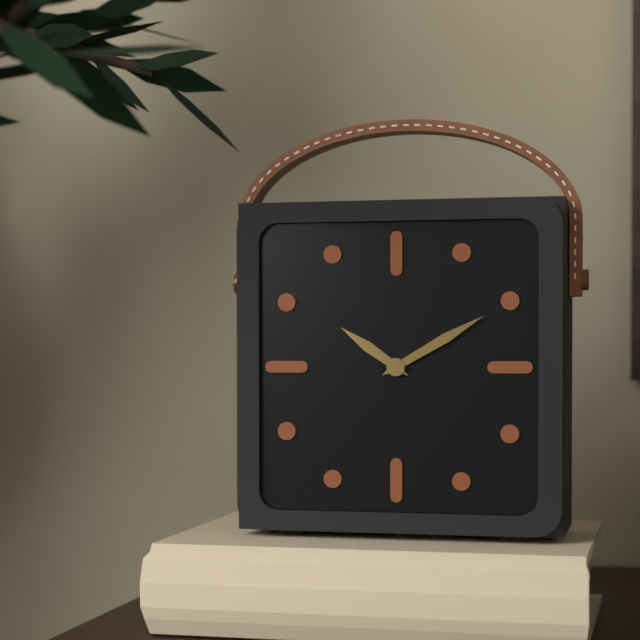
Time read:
10,10
